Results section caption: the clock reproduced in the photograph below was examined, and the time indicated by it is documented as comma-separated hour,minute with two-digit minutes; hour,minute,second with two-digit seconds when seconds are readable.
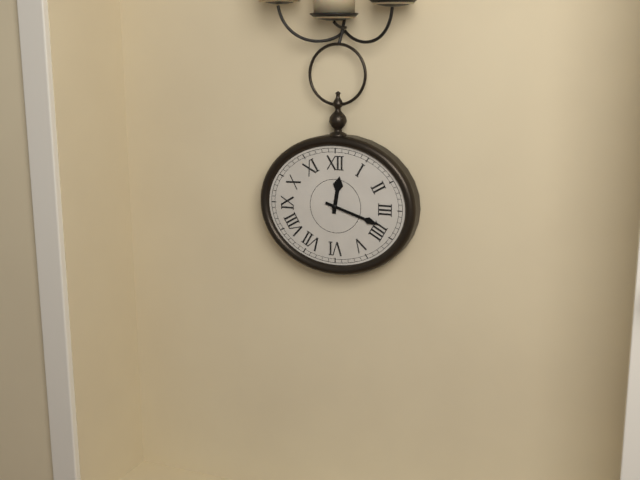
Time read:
12,18
